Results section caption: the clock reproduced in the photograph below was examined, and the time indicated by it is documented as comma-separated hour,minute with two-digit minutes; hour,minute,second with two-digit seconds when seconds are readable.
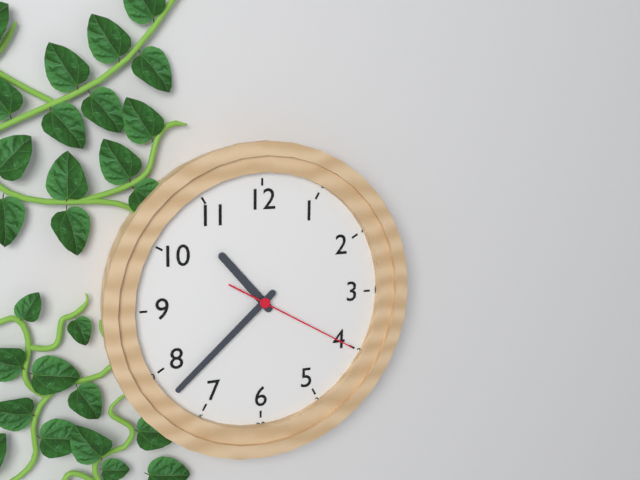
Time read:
10,38,20
